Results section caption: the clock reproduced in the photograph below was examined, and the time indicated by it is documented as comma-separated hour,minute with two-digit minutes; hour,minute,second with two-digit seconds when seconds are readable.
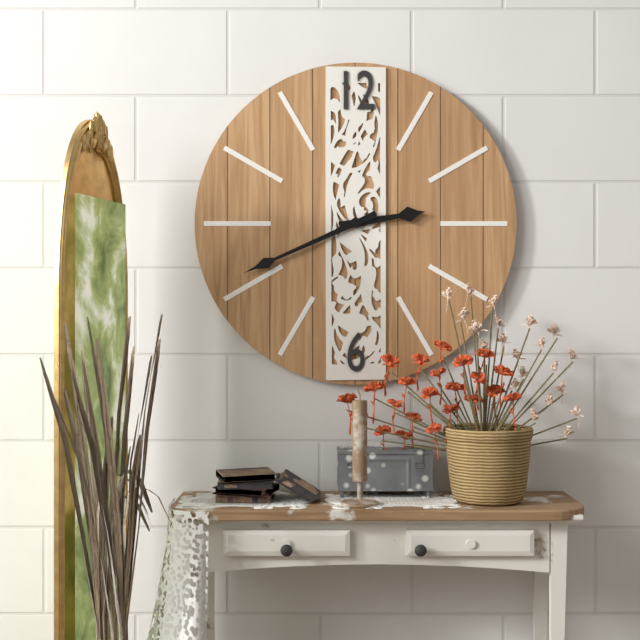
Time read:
2,41
